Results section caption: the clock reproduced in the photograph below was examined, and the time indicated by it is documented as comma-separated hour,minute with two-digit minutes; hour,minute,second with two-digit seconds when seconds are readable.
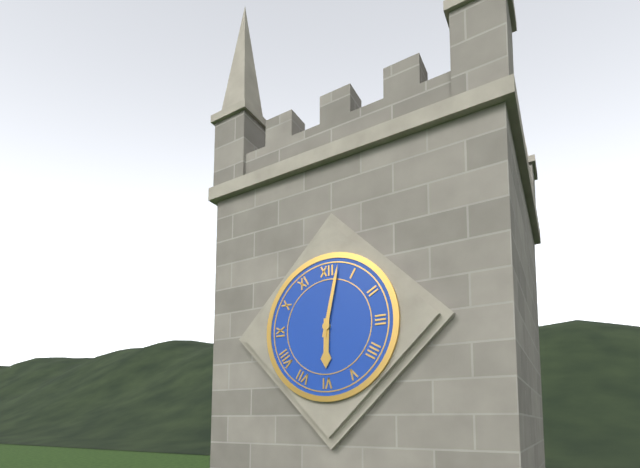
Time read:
6,02
